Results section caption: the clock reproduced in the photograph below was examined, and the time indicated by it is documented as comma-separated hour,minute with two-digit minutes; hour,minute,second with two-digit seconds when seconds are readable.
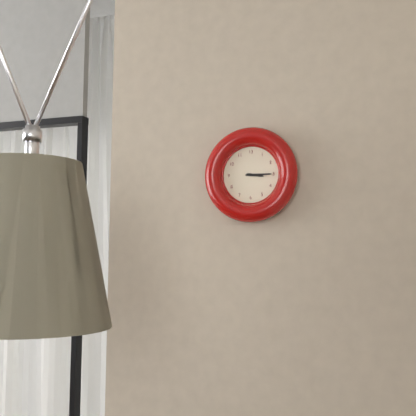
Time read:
3,15
